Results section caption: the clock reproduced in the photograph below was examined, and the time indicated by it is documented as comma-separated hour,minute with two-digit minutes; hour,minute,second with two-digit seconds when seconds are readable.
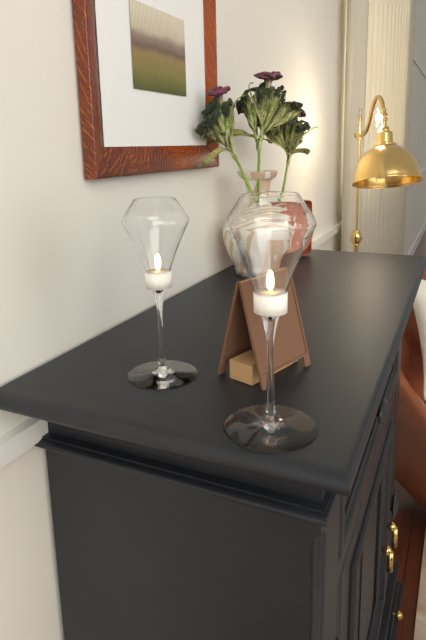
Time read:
12,32
